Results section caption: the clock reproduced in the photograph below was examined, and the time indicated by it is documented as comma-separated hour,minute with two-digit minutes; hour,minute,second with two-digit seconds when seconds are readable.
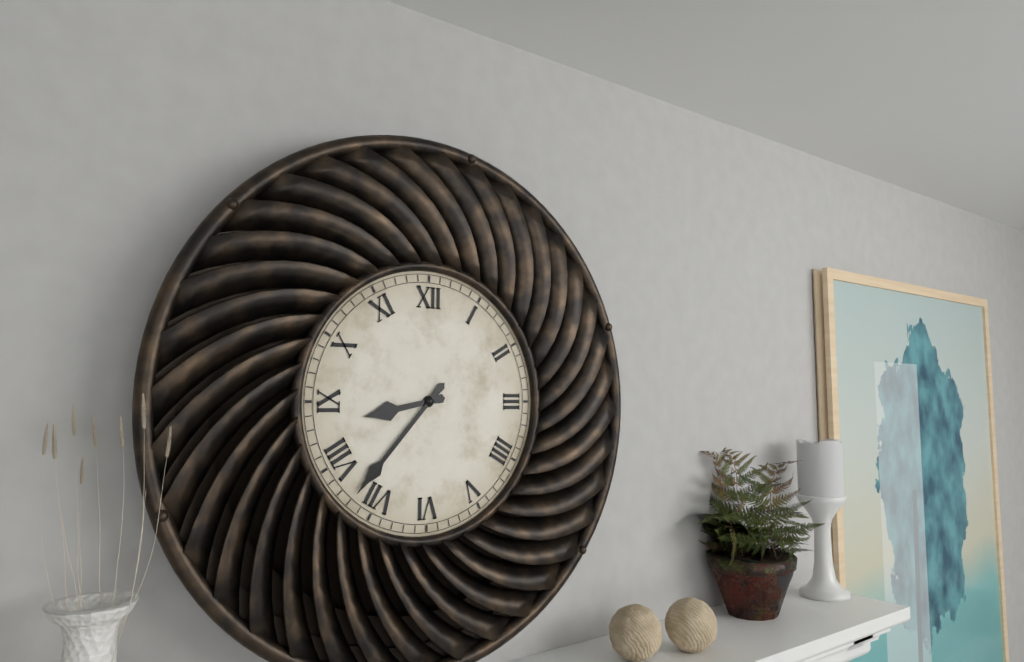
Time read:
8,37
